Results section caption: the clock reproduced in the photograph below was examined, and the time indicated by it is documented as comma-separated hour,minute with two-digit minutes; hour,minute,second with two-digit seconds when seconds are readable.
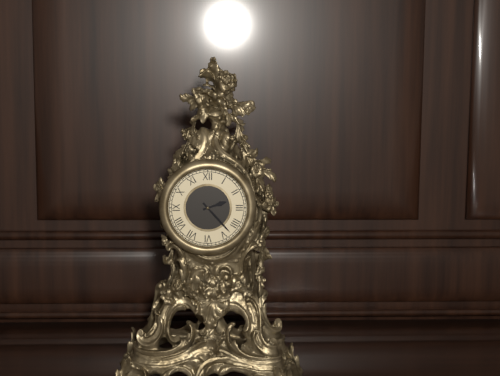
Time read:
2,23
